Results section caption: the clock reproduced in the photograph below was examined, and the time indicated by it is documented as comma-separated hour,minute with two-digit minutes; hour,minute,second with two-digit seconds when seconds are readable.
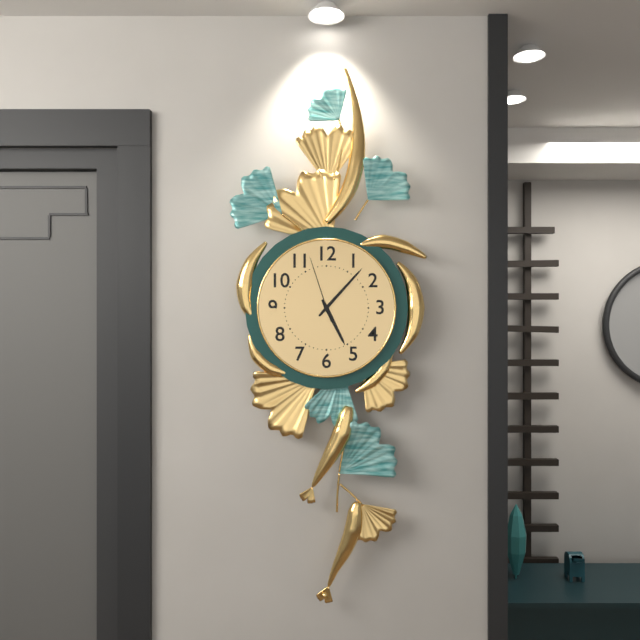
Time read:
5,07,57
